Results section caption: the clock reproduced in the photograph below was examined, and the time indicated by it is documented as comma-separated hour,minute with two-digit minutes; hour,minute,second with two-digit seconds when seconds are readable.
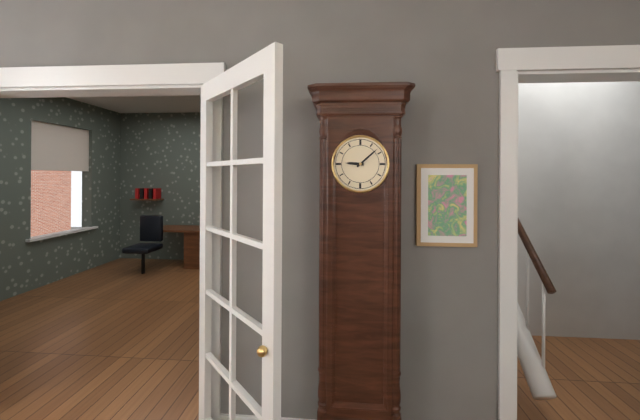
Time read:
9,08
